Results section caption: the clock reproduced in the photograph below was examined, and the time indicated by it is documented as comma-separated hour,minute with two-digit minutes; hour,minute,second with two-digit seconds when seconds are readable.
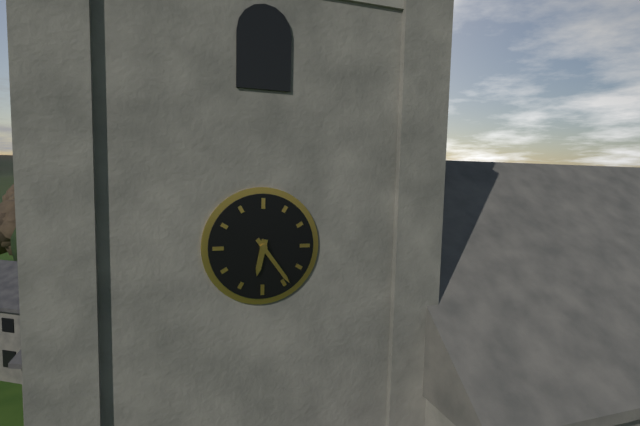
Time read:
6,24
